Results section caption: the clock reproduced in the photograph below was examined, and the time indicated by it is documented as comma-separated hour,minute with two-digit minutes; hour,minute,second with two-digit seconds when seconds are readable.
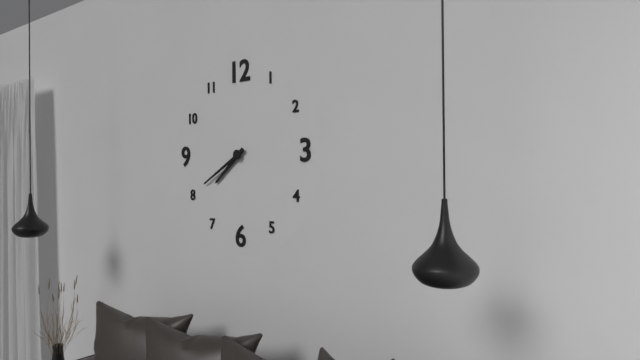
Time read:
7,40
